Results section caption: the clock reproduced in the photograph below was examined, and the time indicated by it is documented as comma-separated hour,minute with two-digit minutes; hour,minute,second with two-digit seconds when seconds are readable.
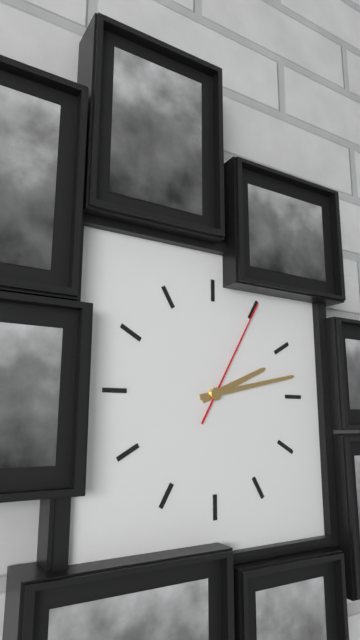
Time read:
2,13,05
